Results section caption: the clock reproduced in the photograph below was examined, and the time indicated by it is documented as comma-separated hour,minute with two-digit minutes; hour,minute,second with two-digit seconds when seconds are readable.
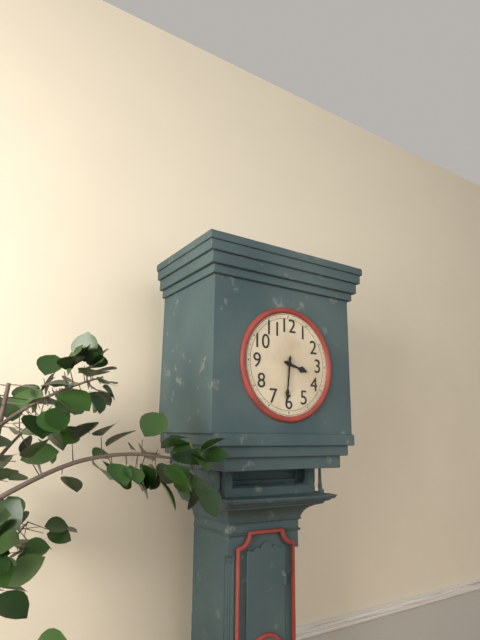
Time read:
3,31
